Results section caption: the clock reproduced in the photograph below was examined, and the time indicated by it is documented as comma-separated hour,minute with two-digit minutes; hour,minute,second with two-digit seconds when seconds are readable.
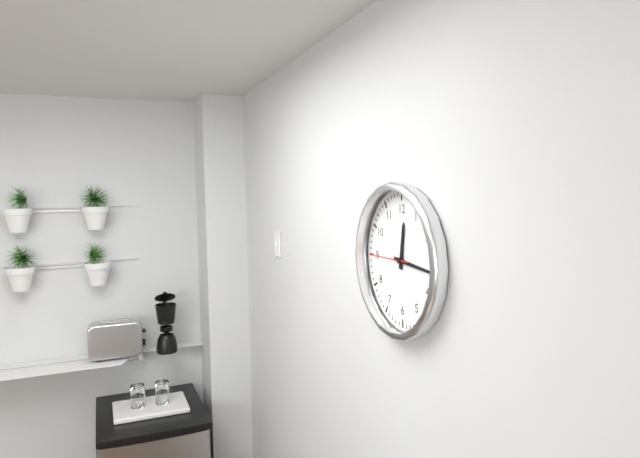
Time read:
12,16
